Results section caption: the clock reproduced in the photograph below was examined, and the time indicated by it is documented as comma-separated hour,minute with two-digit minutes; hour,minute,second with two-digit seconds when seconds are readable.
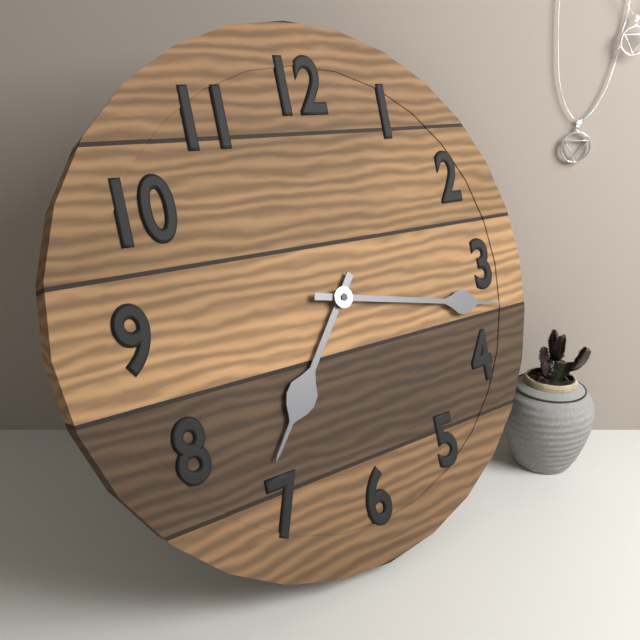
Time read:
7,17
